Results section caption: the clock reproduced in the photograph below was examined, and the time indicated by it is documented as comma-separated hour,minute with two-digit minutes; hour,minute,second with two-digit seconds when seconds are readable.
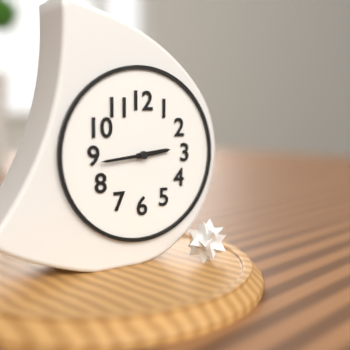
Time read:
2,44
